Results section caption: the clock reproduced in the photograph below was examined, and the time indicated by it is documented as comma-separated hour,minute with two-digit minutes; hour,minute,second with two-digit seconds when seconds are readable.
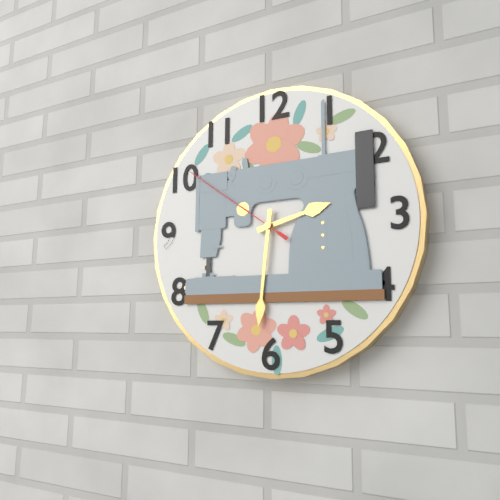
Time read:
2,31,51
